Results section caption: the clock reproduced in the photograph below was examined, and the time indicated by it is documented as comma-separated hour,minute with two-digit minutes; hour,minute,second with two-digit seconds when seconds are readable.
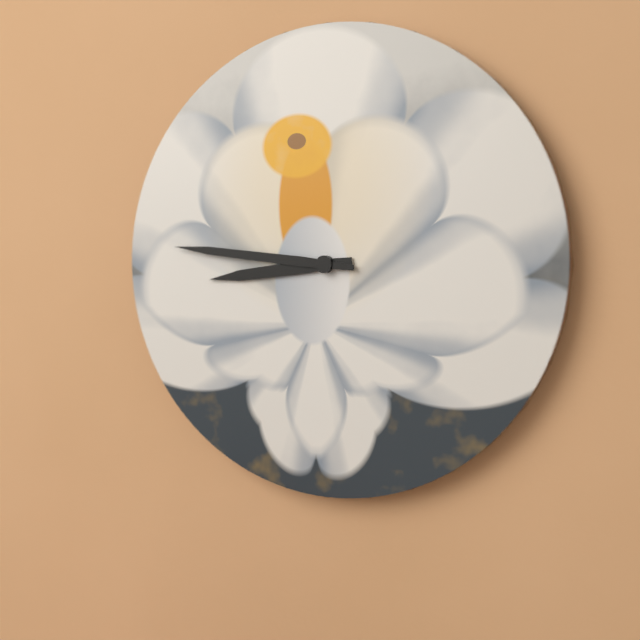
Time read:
8,46
